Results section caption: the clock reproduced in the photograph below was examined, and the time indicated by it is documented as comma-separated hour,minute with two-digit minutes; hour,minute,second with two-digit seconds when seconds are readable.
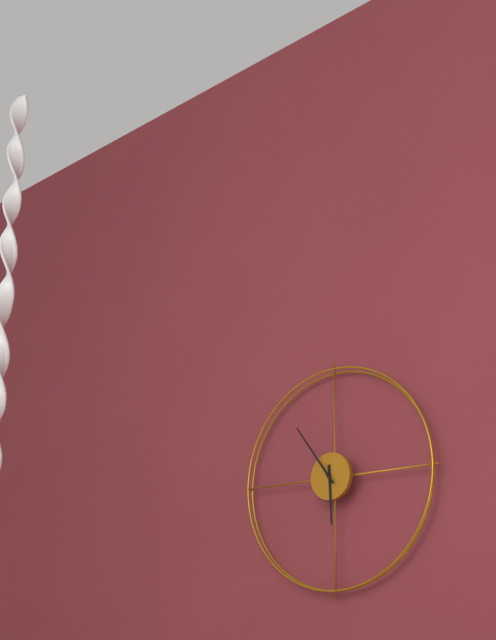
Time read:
5,54
